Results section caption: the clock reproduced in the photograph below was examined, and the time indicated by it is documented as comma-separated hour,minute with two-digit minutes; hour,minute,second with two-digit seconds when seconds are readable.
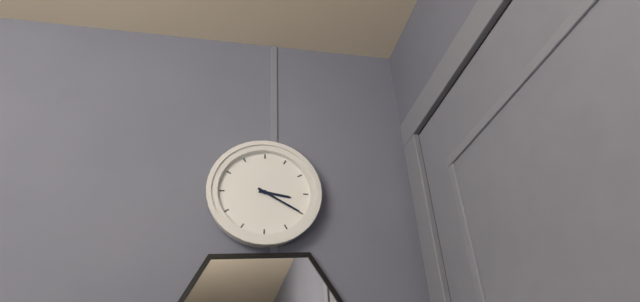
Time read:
3,20
